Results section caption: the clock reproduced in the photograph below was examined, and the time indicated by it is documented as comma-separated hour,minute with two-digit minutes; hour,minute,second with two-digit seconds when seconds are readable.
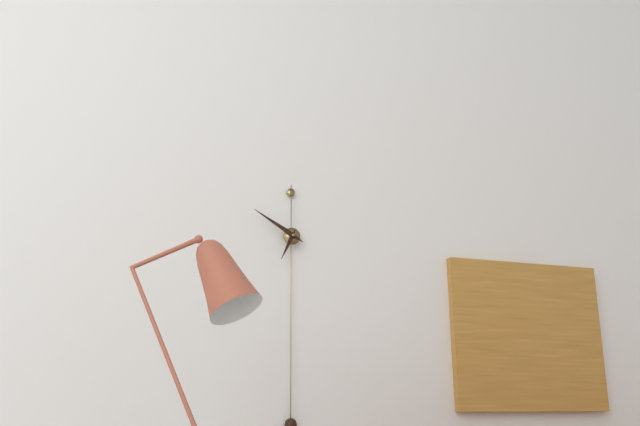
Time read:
6,50
